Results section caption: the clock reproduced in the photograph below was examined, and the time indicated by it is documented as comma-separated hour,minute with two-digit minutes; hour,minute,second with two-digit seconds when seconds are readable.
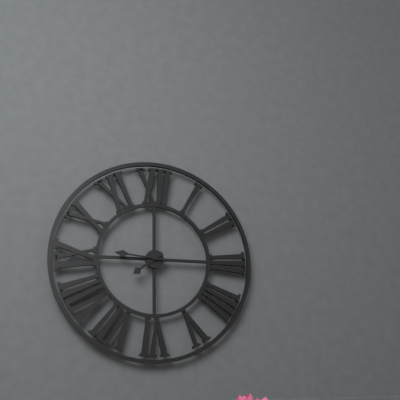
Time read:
7,46
